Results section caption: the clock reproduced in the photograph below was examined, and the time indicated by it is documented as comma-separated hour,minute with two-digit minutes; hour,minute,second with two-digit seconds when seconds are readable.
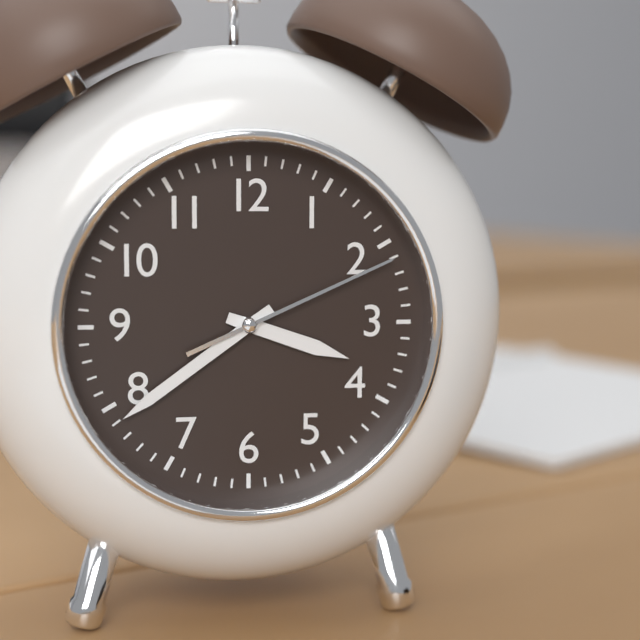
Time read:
3,39,11
